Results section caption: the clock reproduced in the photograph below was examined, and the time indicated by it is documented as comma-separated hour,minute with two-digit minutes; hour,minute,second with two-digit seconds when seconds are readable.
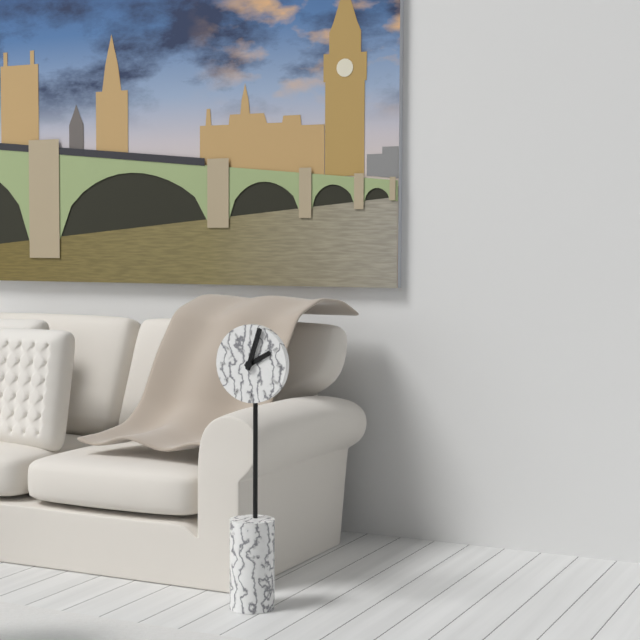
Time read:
2,03
